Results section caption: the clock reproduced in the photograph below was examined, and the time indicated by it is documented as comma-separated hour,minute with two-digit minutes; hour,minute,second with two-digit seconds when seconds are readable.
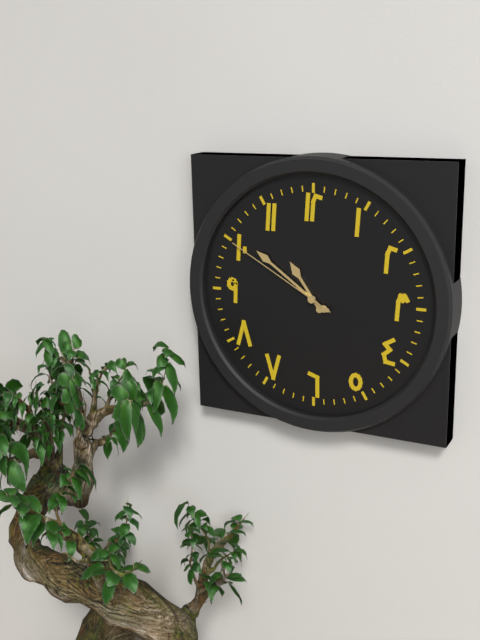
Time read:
10,51,50
